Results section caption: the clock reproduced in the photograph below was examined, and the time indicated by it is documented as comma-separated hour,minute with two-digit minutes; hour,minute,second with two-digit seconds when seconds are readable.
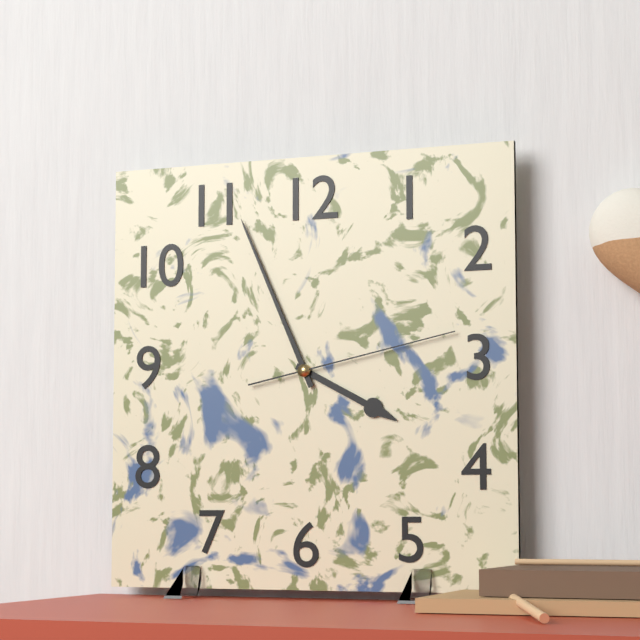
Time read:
3,56,13
